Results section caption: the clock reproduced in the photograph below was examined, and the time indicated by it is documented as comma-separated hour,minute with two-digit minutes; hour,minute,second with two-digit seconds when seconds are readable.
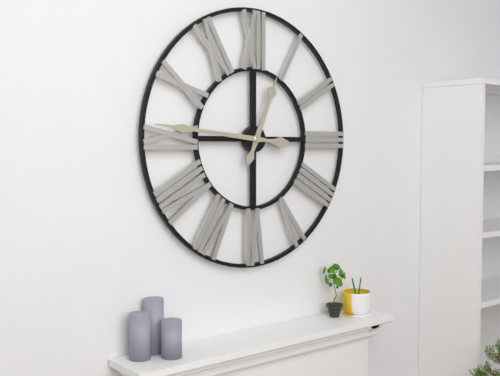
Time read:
12,46
